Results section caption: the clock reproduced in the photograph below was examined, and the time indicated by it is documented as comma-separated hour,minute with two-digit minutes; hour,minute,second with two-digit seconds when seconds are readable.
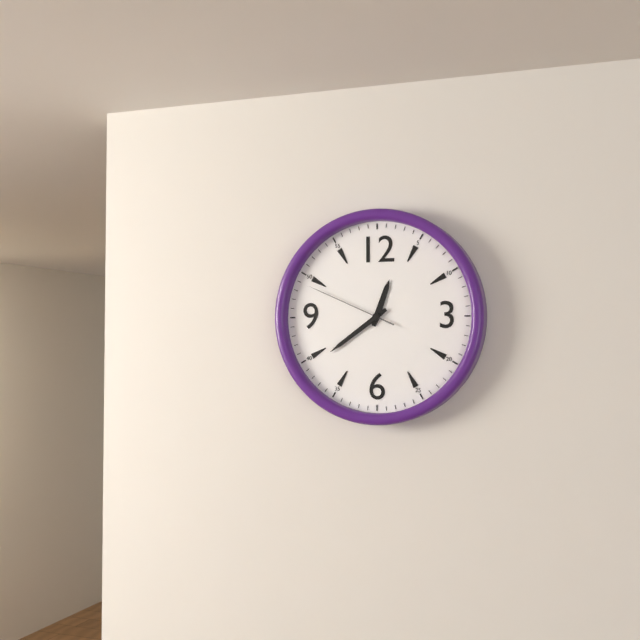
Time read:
12,39,49
